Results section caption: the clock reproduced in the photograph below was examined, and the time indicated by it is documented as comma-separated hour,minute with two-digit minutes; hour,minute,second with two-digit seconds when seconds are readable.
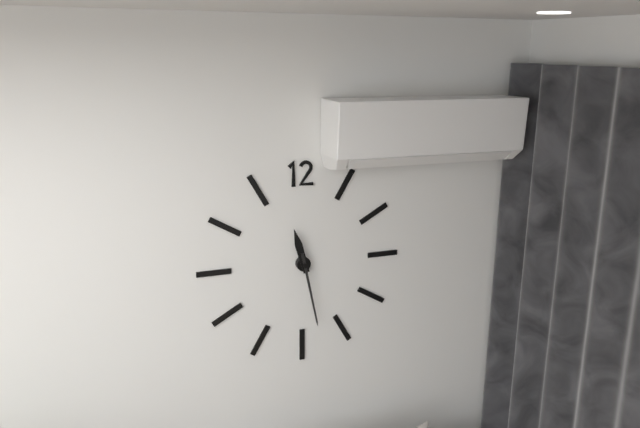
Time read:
11,28
